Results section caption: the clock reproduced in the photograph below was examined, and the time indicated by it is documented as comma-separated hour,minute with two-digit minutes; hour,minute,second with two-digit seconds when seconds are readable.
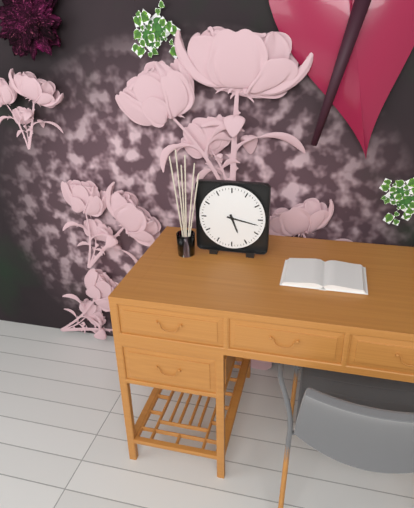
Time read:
5,17
